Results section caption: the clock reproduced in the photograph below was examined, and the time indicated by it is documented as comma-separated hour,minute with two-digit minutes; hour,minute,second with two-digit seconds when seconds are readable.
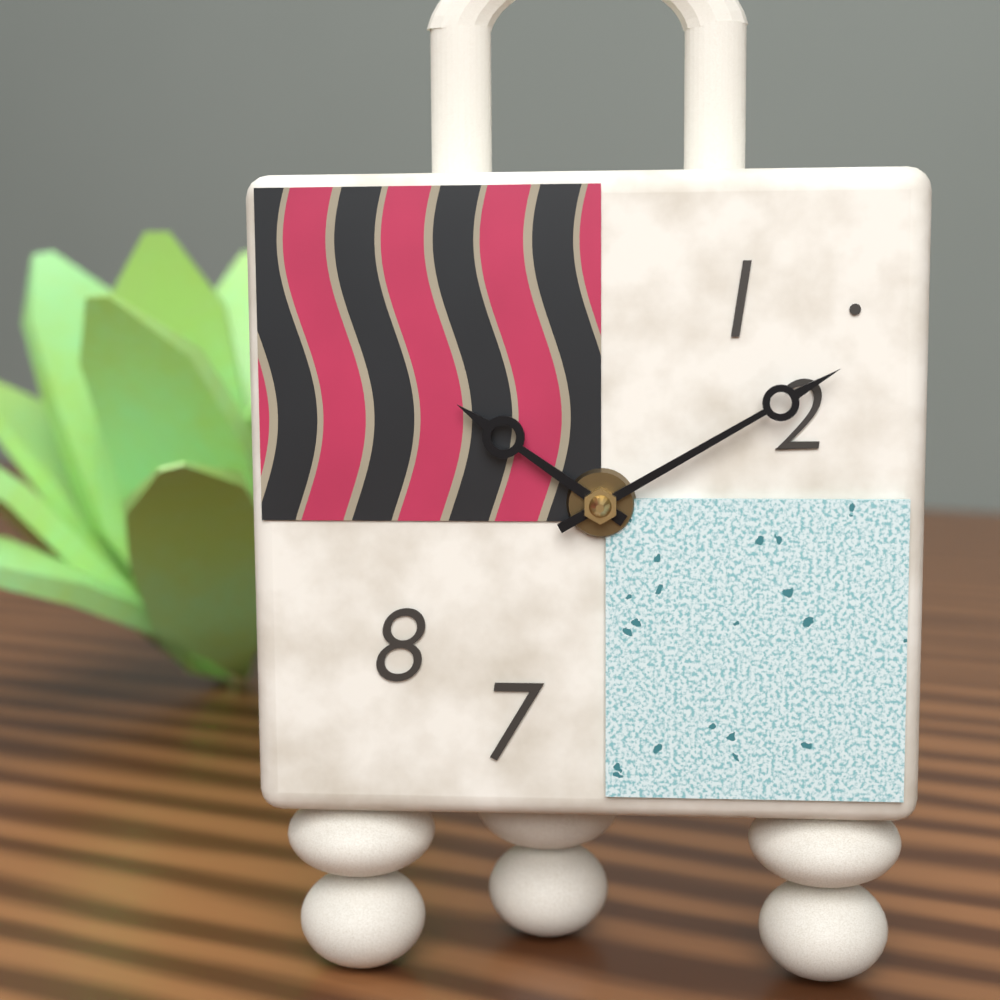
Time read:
10,10
